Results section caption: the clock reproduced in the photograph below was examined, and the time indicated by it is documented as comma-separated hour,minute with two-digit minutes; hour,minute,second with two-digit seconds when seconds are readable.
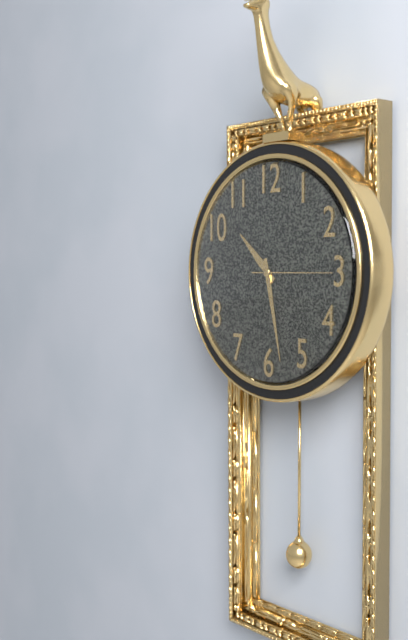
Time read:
10,28,15
